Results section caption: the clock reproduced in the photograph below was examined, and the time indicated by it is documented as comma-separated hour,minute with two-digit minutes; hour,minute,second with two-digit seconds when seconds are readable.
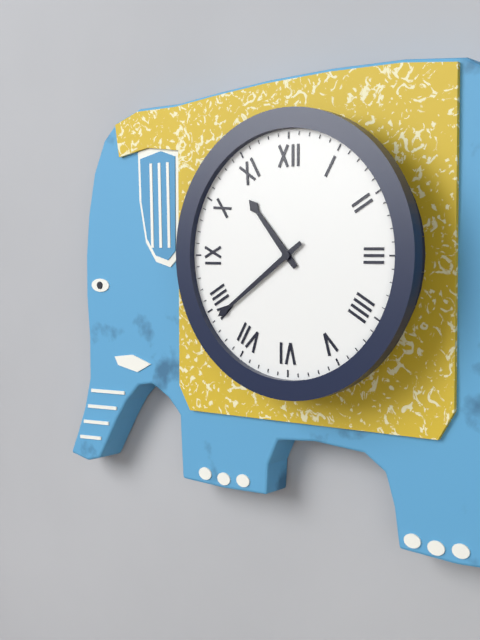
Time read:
10,39
